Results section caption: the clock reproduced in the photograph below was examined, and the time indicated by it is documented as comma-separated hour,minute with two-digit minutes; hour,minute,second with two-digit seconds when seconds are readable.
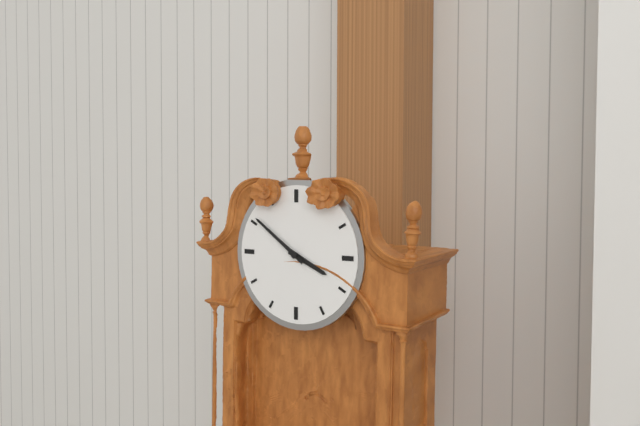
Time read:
3,51
